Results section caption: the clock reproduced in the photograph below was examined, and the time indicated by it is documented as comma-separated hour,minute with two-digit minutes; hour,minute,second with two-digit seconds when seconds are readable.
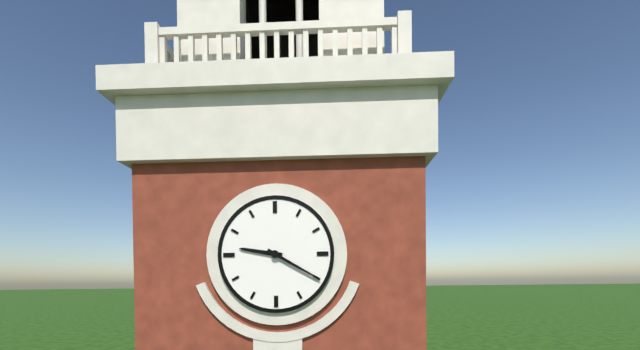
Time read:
9,20
